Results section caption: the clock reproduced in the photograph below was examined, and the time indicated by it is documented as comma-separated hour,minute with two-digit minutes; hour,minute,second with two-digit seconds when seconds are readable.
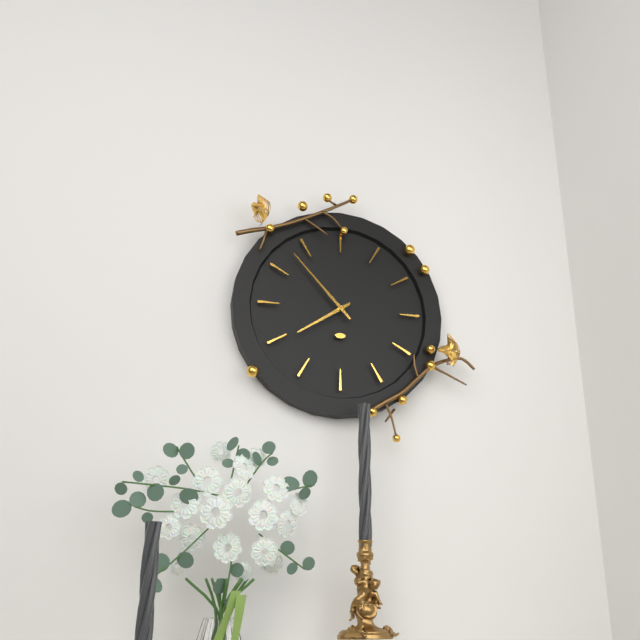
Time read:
7,53
